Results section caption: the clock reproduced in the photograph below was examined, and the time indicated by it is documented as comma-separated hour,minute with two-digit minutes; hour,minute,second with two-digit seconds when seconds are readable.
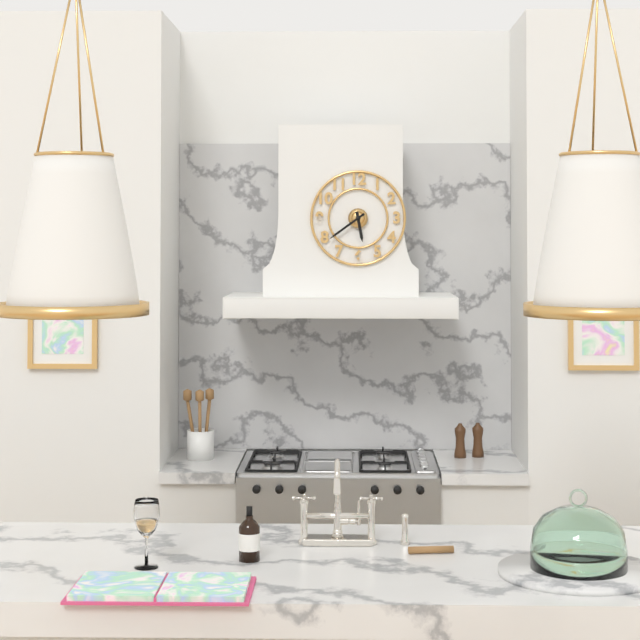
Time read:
5,39
